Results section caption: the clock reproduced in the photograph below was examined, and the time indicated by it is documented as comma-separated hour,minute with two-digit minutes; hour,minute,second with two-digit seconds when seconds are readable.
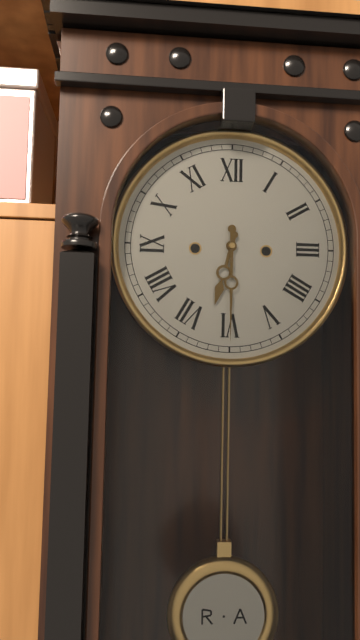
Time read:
6,30
